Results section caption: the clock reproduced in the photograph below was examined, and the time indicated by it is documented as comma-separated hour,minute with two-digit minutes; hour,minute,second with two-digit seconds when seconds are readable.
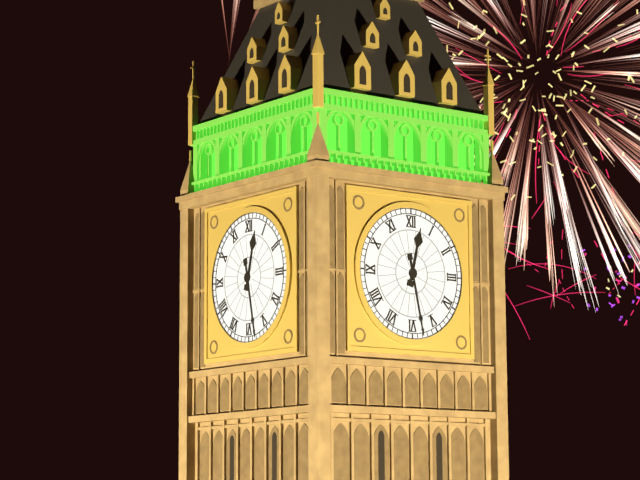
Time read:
12,28
